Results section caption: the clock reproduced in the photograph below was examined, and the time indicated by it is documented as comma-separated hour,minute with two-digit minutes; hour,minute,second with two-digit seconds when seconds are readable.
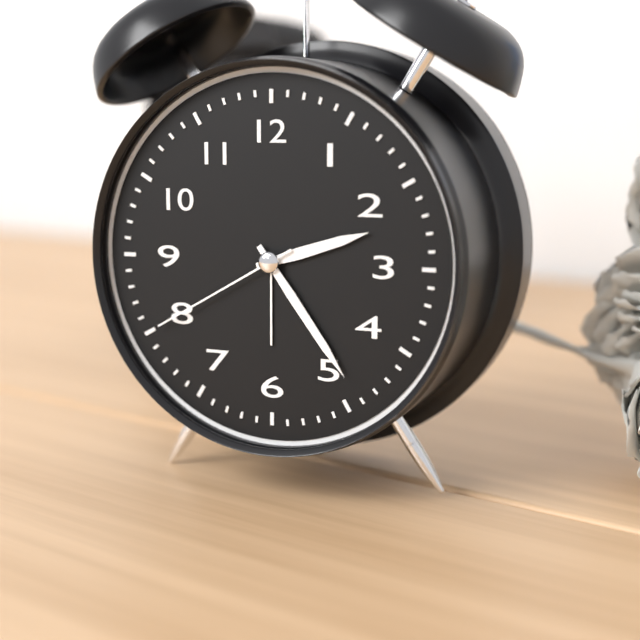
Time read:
2,24,40
